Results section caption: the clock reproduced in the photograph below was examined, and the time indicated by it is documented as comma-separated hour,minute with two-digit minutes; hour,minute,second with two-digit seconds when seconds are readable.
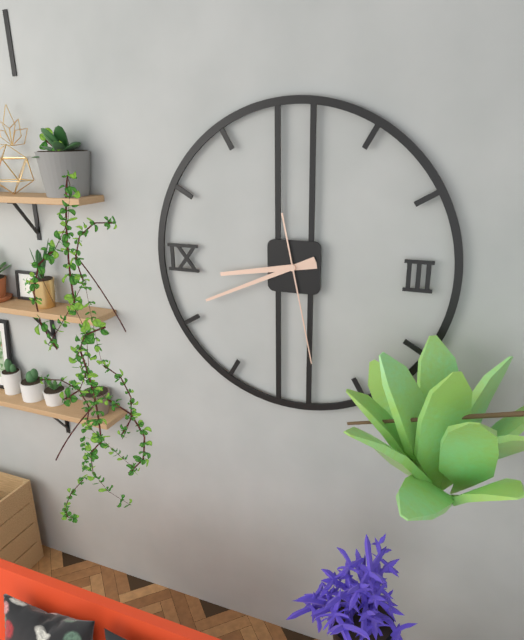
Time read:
8,41,28
